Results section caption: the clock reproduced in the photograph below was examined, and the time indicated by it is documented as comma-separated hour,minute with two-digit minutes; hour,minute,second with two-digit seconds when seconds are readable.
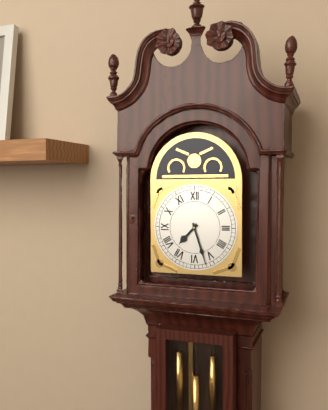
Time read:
7,27
